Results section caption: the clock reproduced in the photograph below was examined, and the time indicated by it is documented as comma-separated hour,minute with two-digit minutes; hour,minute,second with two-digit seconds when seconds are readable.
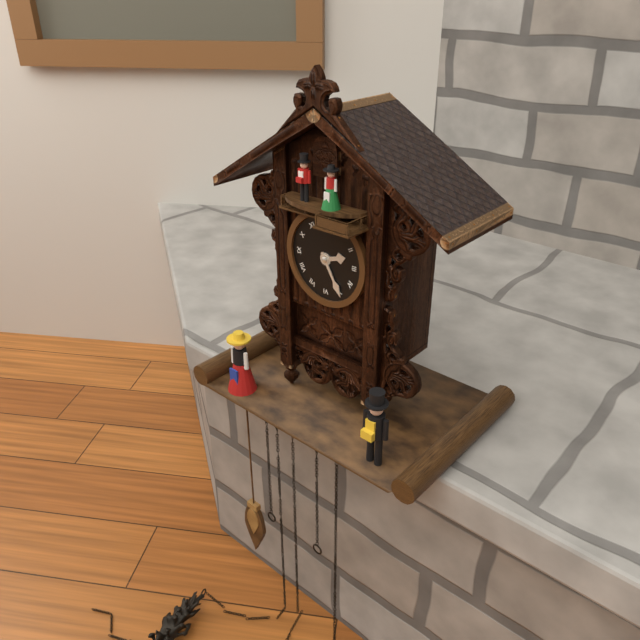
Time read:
2,25
